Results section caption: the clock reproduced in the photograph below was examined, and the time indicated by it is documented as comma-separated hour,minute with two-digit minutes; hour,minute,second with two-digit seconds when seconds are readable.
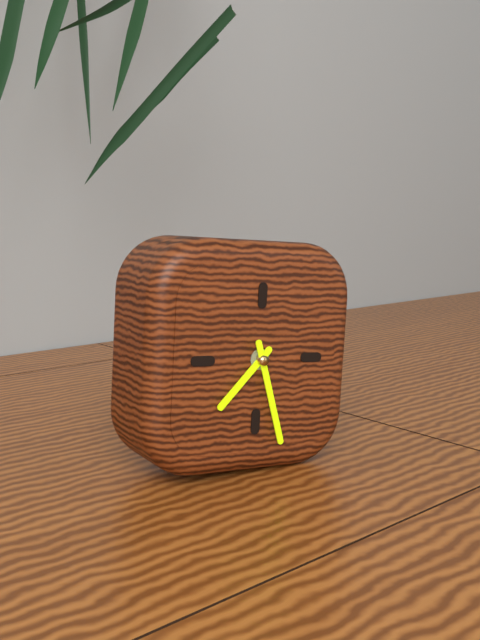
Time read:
7,27
